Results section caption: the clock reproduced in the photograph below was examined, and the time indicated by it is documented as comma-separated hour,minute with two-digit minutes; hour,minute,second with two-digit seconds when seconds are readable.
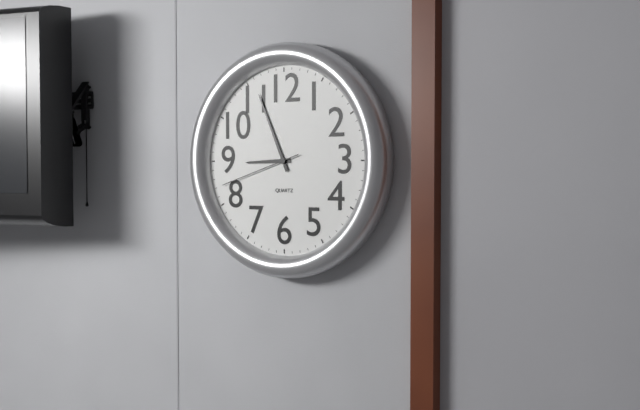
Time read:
8,56,42
